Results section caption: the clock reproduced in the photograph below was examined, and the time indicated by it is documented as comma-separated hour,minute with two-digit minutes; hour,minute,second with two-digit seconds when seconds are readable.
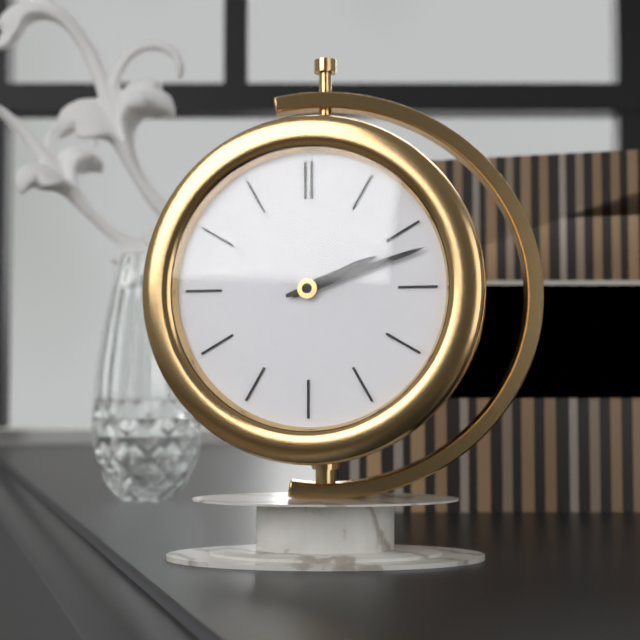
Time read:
2,12
